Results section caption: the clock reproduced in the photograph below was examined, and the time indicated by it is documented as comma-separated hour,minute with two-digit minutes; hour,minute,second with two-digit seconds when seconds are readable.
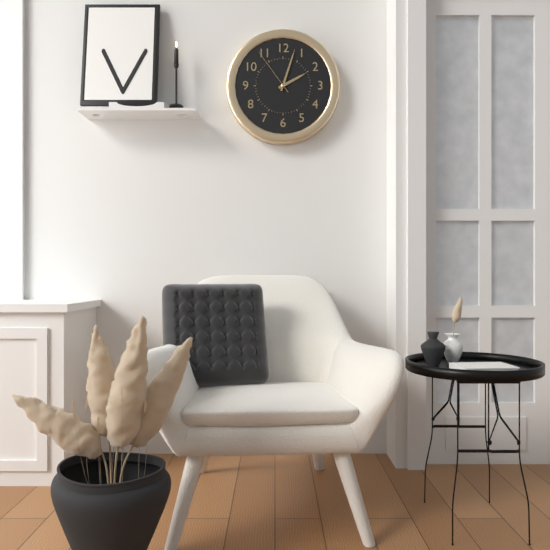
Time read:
2,03,54
